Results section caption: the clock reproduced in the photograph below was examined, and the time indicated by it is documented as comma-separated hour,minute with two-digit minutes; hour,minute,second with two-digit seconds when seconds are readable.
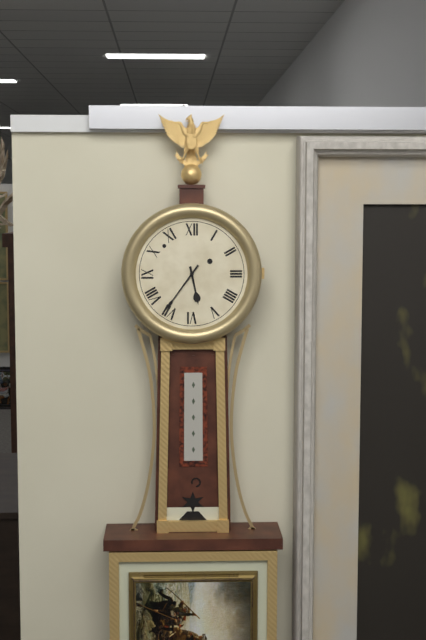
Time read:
5,36
